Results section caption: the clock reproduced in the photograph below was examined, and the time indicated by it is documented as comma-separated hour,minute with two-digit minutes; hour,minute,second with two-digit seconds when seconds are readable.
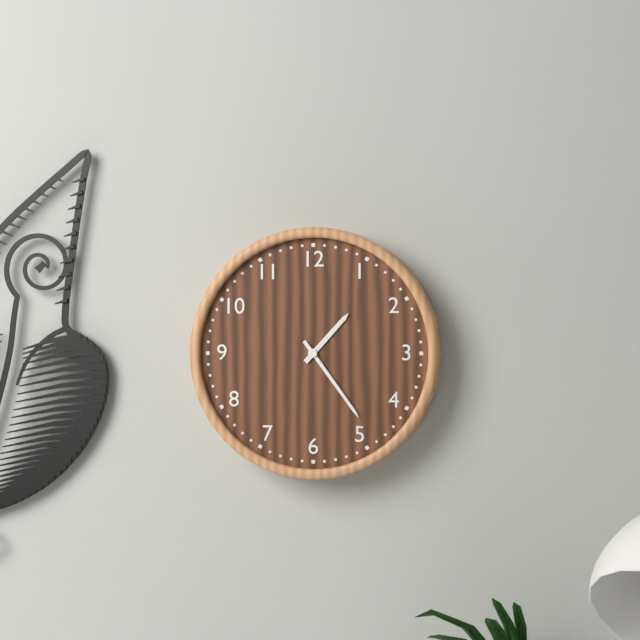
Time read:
1,24
